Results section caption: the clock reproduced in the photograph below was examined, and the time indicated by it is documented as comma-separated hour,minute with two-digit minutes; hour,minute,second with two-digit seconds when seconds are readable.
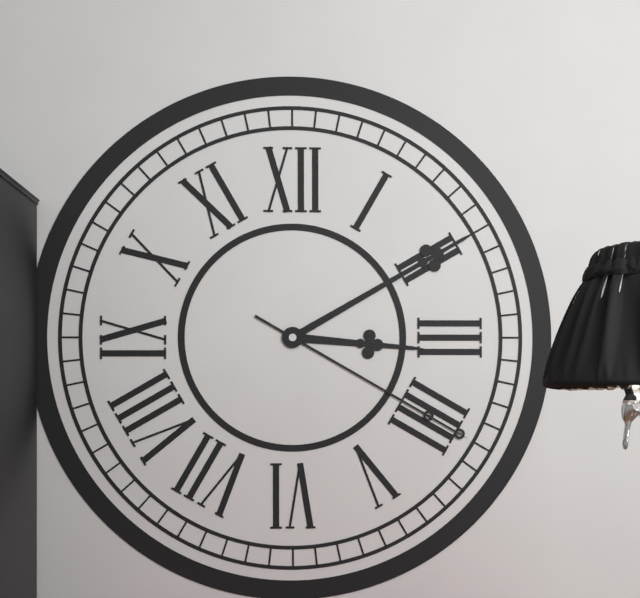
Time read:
3,10,20
